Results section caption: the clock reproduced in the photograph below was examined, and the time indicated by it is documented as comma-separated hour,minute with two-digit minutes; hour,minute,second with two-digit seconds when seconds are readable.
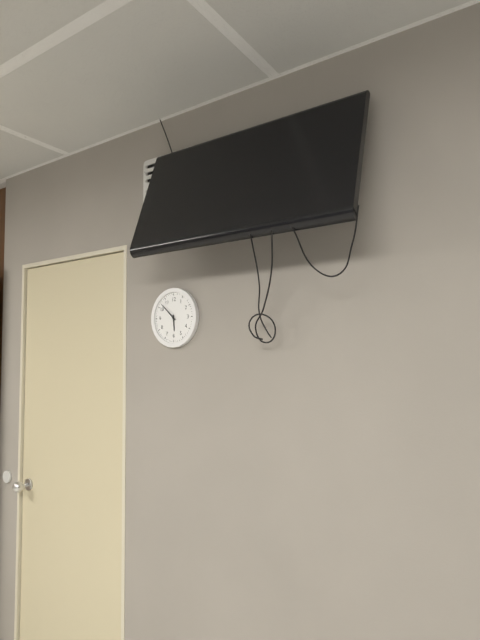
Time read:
5,52
